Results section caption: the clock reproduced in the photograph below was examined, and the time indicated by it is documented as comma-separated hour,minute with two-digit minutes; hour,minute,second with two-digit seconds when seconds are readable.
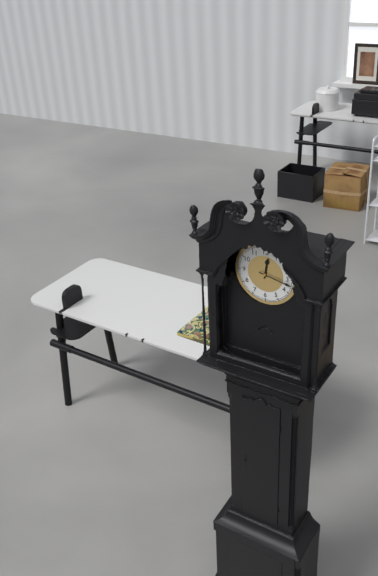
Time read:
12,17
